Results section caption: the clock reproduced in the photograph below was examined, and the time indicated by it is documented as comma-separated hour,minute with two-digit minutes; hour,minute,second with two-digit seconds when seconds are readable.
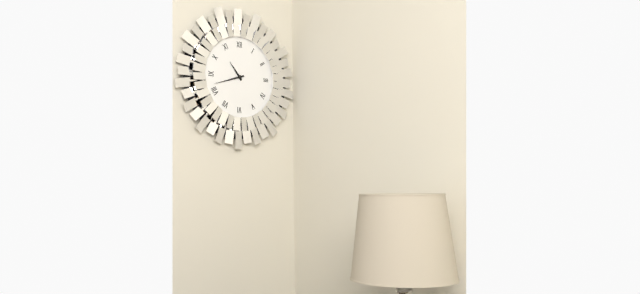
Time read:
10,42
